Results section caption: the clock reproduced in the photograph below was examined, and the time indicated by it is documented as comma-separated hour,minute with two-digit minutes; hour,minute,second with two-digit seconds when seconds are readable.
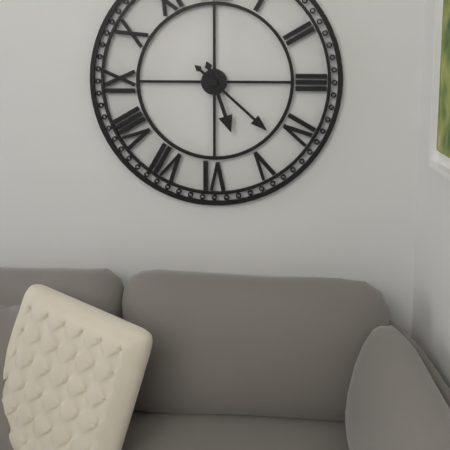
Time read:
5,22
